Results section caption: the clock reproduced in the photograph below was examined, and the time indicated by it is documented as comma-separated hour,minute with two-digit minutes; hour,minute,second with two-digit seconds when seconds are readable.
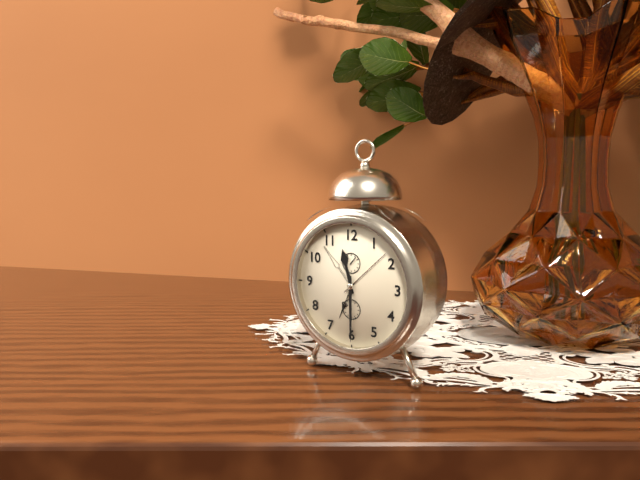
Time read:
11,30
